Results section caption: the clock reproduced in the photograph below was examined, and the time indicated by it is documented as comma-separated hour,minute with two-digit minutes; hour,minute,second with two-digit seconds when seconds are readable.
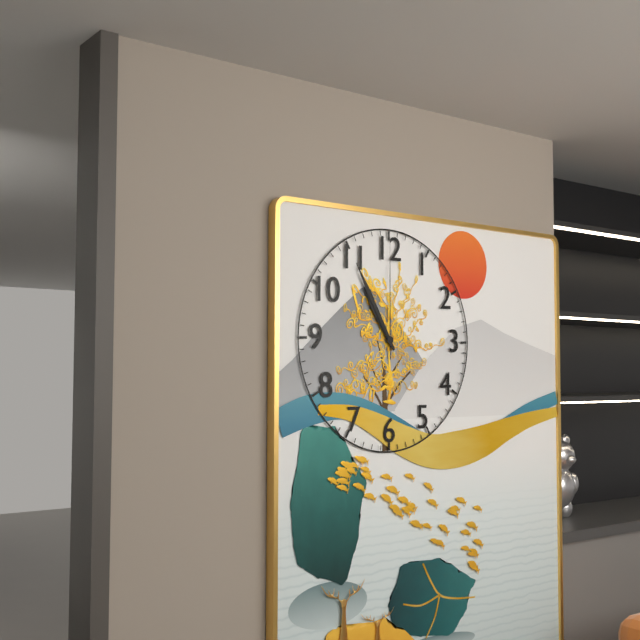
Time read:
10,55,00
